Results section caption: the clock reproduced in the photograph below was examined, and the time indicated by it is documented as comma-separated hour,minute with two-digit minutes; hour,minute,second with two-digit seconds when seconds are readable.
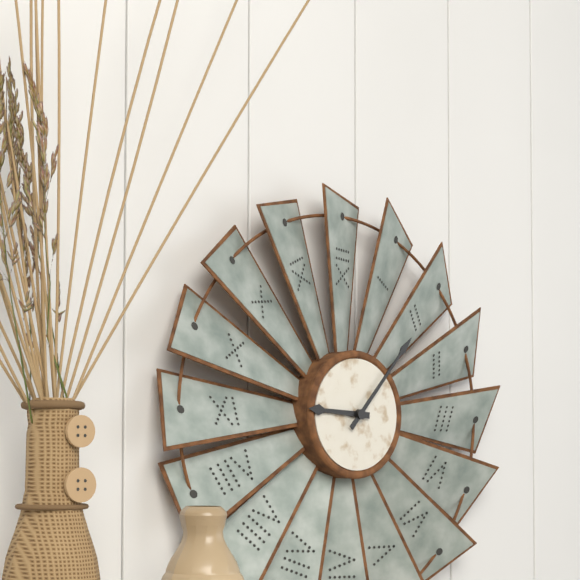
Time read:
9,07
